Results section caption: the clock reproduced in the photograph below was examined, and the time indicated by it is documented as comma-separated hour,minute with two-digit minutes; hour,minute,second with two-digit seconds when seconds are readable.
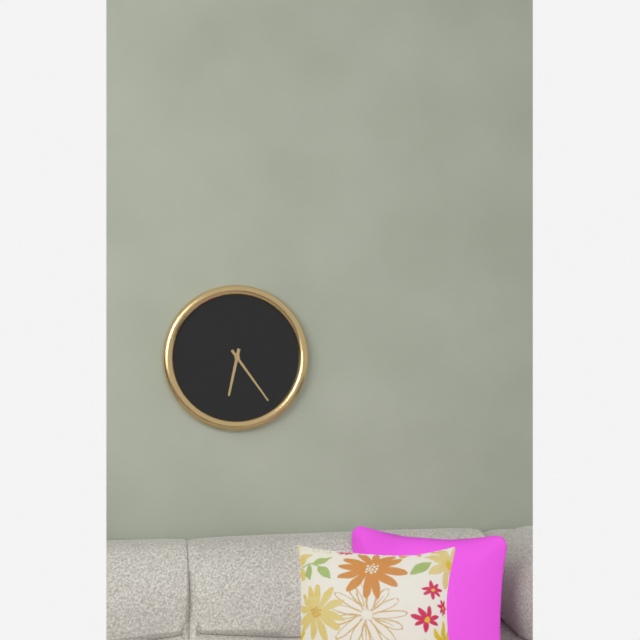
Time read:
6,24
